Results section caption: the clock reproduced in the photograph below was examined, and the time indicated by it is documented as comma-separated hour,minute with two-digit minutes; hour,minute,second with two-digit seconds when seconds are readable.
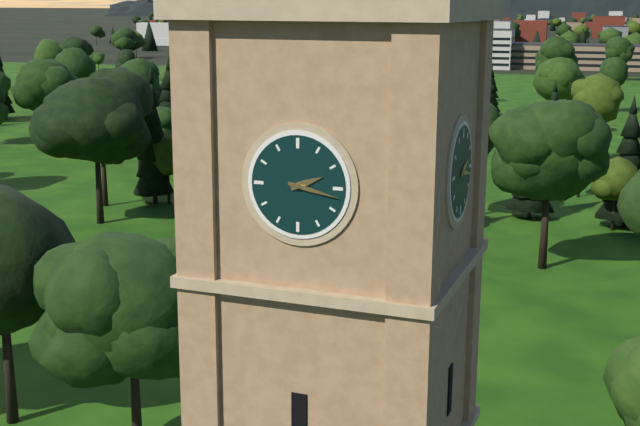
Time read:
2,17
